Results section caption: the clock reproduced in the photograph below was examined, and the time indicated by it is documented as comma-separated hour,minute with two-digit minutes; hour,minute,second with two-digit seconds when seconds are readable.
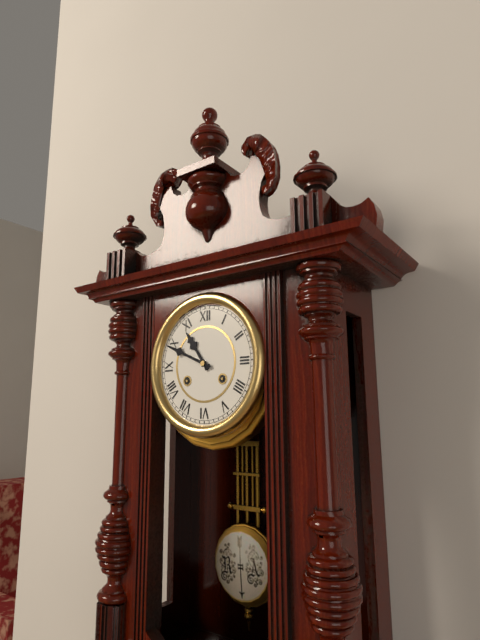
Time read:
10,49
